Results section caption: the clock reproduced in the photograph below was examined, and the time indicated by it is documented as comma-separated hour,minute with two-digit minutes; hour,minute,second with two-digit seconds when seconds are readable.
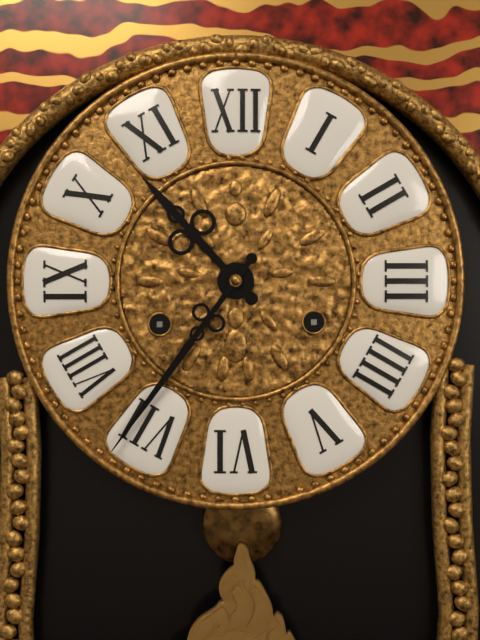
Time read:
10,36
